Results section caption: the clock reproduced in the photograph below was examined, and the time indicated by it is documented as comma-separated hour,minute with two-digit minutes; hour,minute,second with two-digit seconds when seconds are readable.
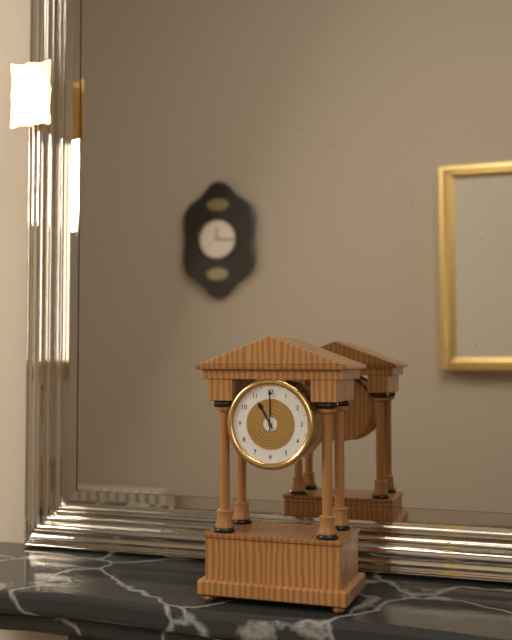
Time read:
11,00
